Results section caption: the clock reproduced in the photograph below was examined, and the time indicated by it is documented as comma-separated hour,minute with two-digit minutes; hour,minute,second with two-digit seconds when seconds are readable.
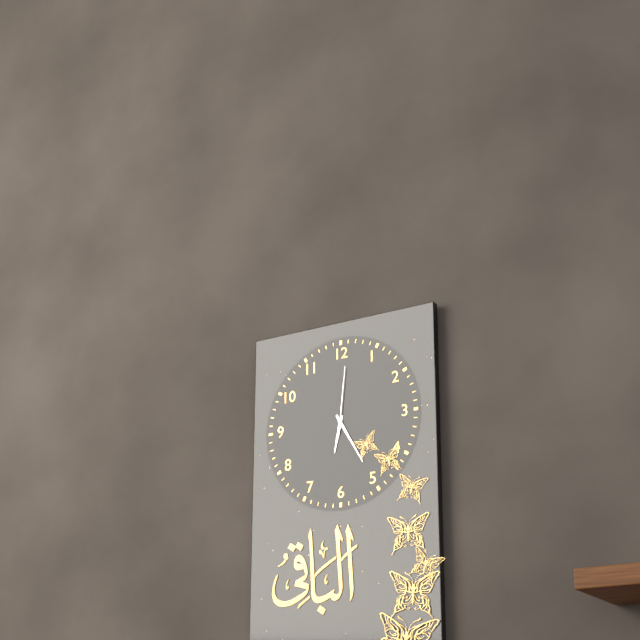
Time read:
6,25,01
